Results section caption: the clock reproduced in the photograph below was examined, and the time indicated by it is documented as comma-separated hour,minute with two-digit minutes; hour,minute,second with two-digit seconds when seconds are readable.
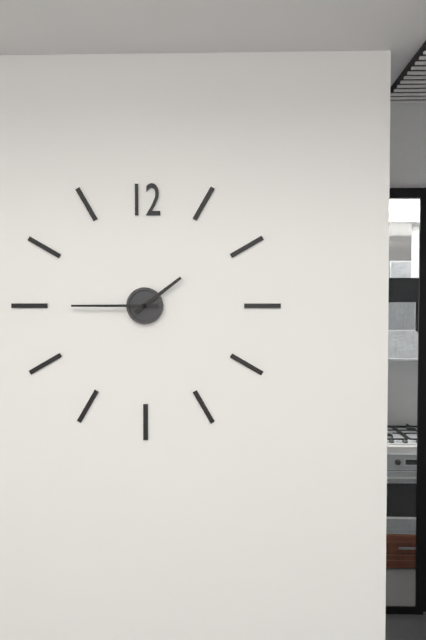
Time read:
1,45
